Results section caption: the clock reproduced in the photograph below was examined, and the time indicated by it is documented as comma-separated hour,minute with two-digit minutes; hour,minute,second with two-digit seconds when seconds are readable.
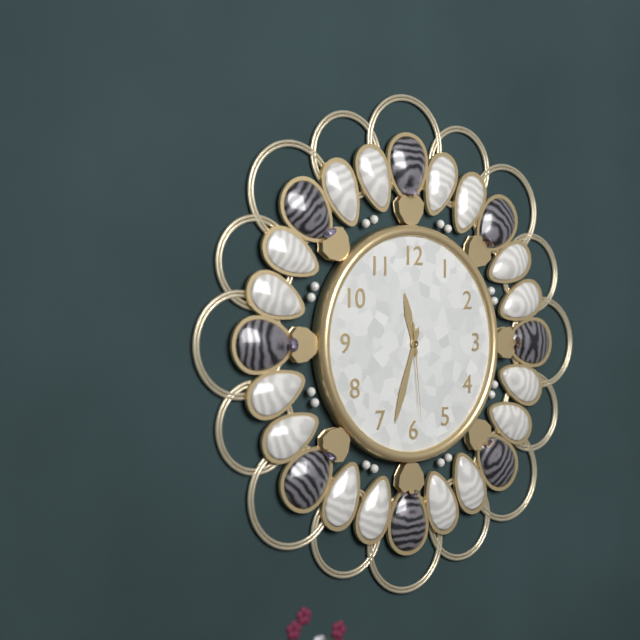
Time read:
11,33,29
